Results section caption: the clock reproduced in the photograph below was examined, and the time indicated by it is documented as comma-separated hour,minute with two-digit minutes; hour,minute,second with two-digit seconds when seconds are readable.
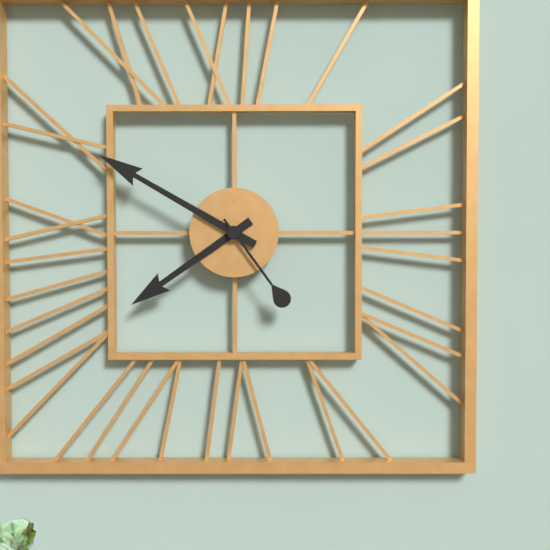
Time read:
7,50,24
